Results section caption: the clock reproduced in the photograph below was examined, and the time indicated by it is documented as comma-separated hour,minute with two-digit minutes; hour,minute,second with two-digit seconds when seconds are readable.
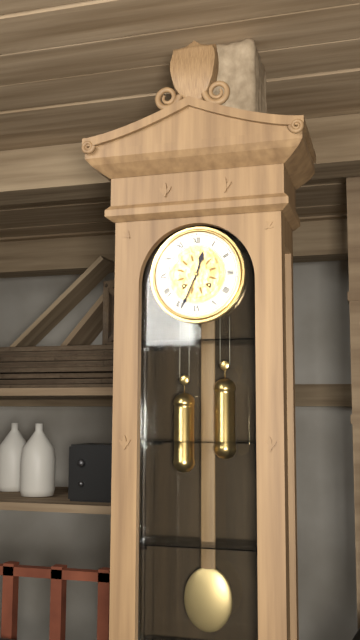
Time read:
12,34
